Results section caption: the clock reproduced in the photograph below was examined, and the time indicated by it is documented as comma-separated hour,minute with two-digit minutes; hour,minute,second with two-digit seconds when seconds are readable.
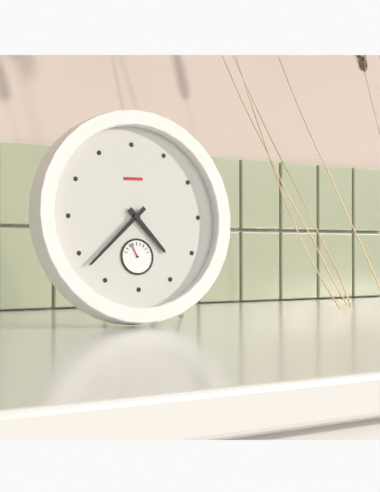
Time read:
4,38
